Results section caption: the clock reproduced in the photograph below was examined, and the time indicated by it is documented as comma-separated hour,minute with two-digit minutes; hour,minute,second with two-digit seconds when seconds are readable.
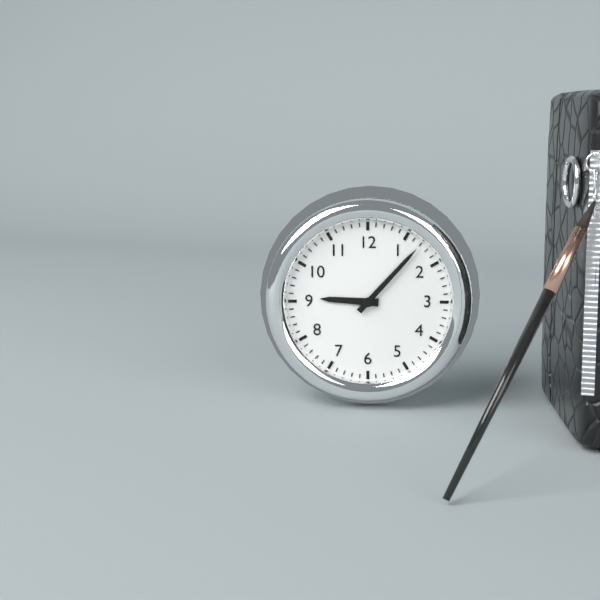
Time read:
9,07
